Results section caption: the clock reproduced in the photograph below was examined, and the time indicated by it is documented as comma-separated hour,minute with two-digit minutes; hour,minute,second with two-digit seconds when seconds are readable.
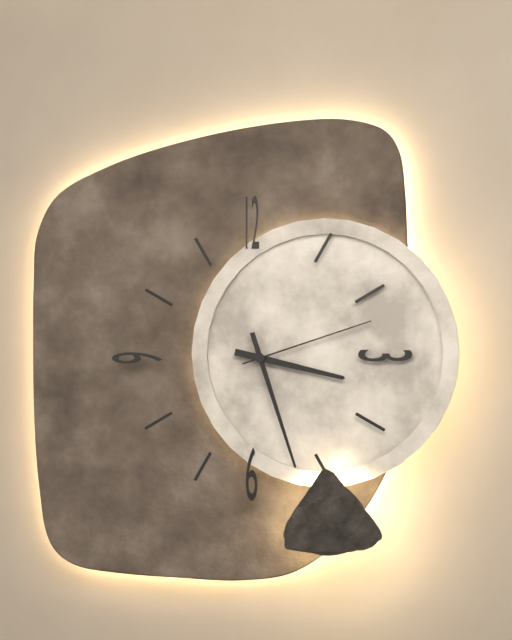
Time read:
3,27,12
